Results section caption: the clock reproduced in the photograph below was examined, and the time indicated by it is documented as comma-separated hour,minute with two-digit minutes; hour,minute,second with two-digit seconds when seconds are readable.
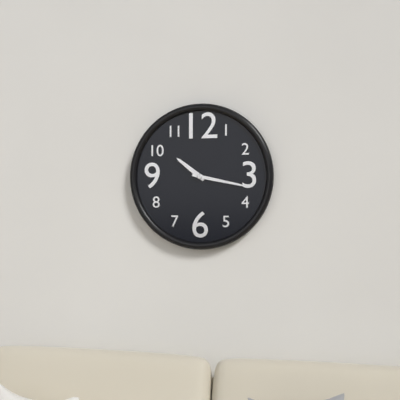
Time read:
10,17
